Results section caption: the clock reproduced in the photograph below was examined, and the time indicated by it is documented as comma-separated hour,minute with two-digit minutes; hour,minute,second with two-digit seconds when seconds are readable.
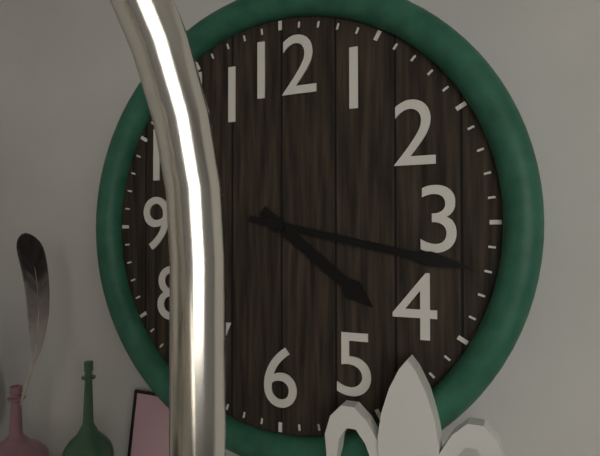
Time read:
4,17
